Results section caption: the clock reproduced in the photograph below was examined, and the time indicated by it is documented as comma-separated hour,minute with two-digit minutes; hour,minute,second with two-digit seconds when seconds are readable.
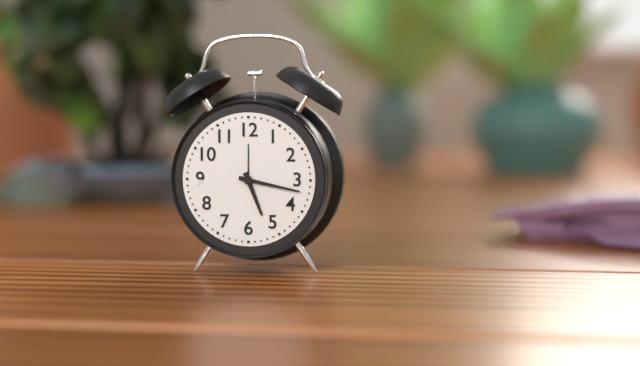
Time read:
5,17
